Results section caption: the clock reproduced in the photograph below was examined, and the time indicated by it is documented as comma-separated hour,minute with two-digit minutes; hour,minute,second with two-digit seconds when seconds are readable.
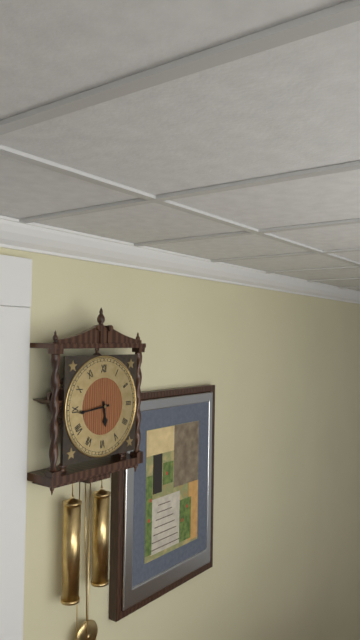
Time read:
5,44
